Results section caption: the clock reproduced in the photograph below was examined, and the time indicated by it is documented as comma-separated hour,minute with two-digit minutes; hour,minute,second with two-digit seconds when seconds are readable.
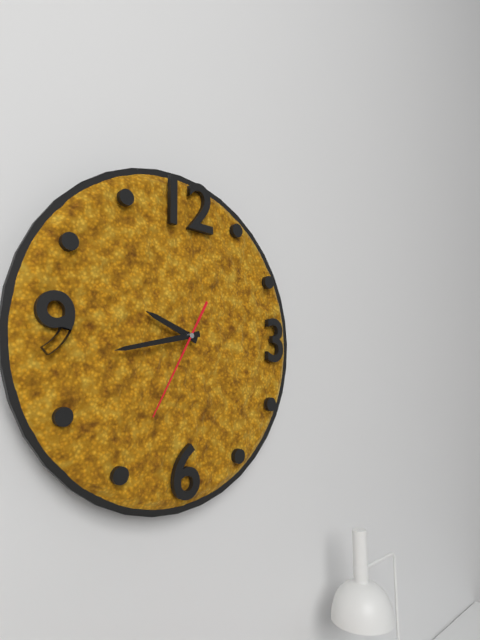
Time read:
9,43,35
